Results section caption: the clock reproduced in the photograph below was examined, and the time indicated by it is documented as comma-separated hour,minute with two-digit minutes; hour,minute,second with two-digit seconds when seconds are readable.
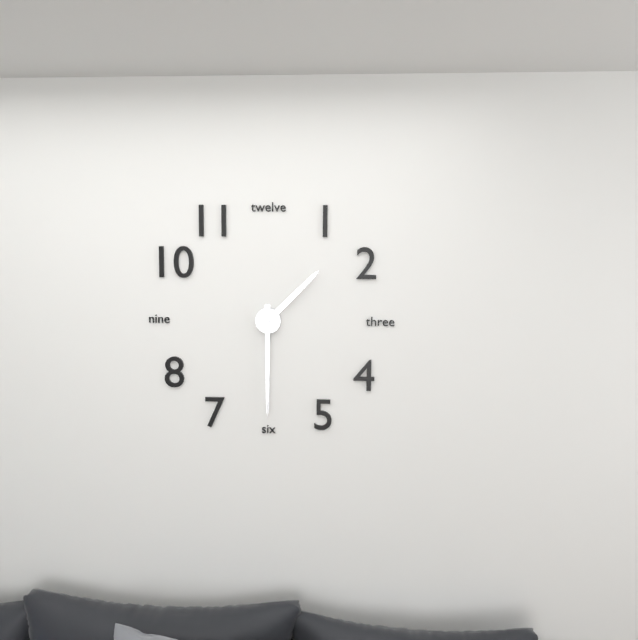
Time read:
1,30
